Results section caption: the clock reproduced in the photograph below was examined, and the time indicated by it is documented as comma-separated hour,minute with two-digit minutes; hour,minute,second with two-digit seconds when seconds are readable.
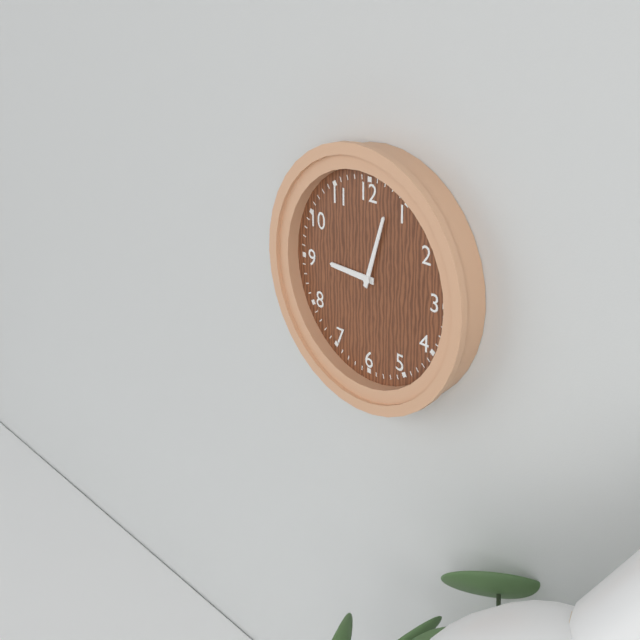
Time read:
9,03
